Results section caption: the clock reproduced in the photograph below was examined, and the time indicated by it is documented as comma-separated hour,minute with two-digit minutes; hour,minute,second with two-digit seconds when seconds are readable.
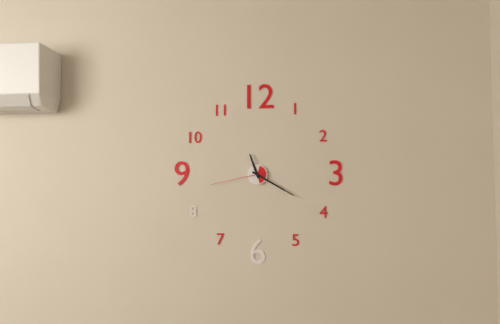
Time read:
11,20,43
